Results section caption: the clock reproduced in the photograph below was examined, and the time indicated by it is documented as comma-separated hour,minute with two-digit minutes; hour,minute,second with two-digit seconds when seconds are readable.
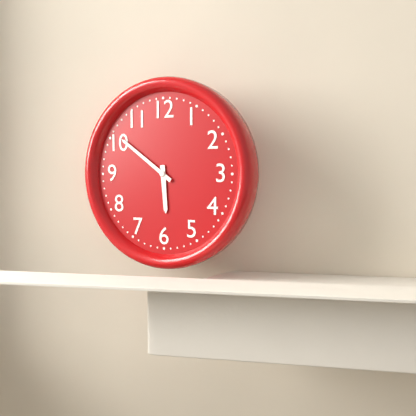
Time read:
5,51
